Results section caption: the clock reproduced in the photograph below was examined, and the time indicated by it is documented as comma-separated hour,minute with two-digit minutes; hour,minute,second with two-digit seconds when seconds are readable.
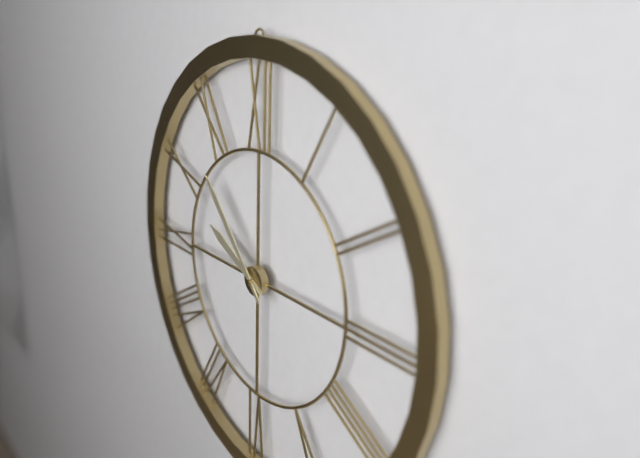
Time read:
9,53
